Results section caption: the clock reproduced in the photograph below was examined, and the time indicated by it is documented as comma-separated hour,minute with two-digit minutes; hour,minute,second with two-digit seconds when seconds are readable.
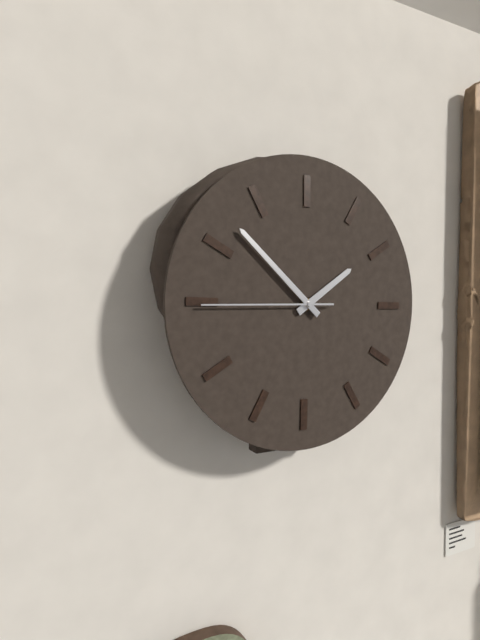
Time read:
1,52,45
